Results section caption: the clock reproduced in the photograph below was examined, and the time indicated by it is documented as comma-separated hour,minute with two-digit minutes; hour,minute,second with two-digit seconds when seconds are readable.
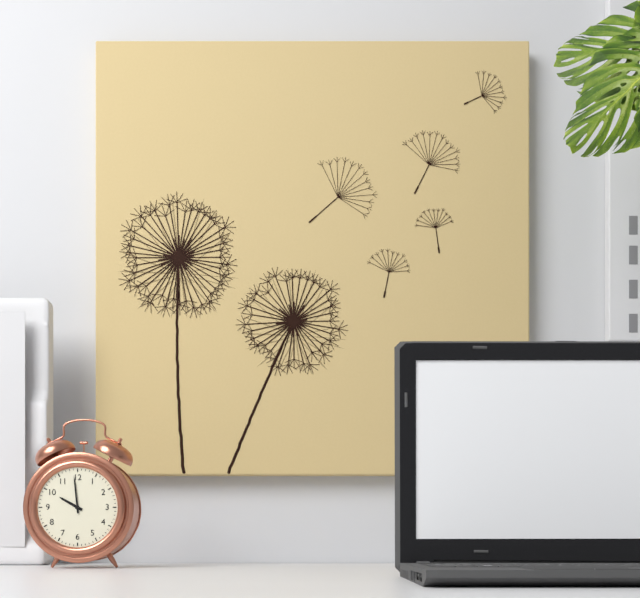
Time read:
9,59
